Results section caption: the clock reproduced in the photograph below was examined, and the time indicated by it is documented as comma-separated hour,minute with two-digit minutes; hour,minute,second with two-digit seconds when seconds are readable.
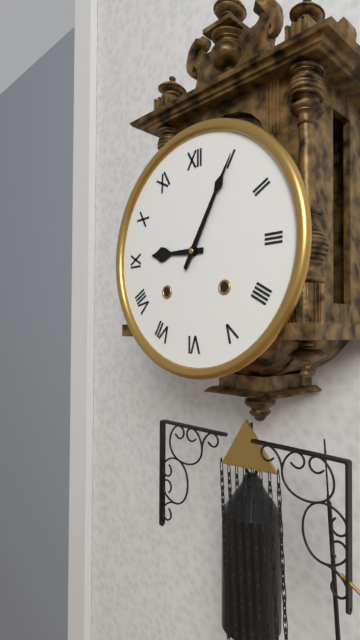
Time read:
9,05
